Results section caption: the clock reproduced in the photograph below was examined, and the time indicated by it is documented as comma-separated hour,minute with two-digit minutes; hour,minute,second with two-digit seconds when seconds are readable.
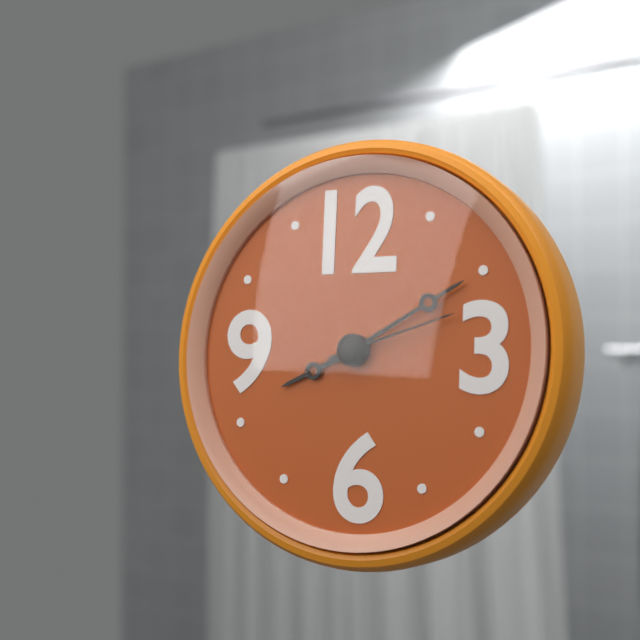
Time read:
8,10,12
